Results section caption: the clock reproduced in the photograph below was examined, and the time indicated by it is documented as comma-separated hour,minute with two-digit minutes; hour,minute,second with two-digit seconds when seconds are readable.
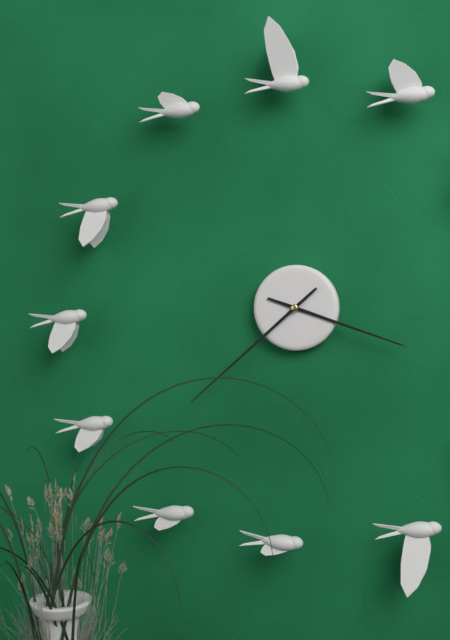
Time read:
3,38
